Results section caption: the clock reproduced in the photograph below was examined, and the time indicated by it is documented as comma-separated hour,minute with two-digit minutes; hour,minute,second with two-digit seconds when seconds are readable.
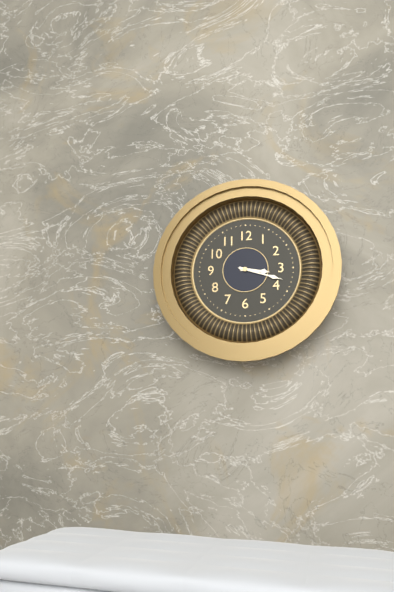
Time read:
3,18
